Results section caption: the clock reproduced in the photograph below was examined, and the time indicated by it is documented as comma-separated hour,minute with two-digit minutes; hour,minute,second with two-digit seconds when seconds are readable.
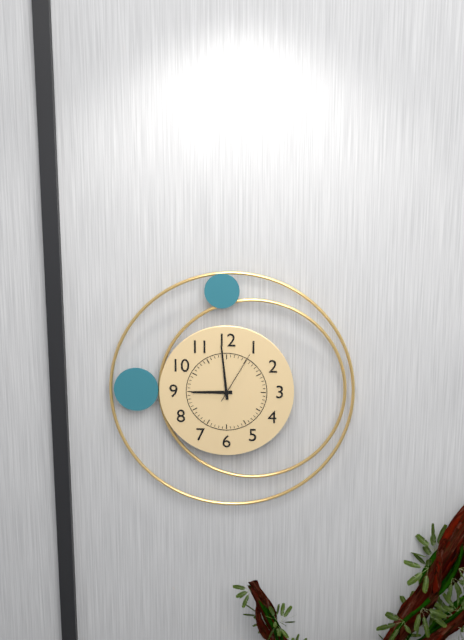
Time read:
8,59,05
